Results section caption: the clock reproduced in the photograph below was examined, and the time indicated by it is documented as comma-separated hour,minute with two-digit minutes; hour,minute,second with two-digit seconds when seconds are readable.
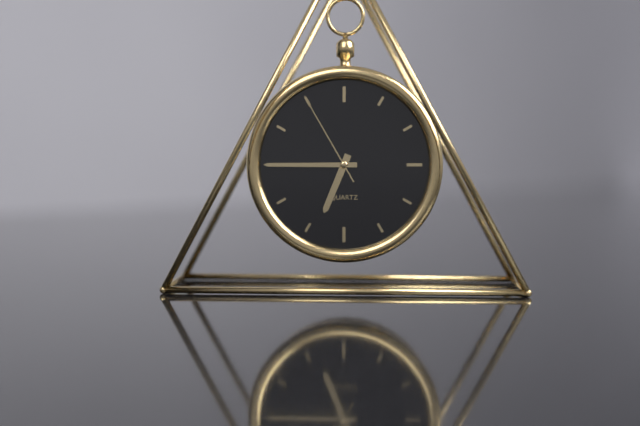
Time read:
6,45,55
